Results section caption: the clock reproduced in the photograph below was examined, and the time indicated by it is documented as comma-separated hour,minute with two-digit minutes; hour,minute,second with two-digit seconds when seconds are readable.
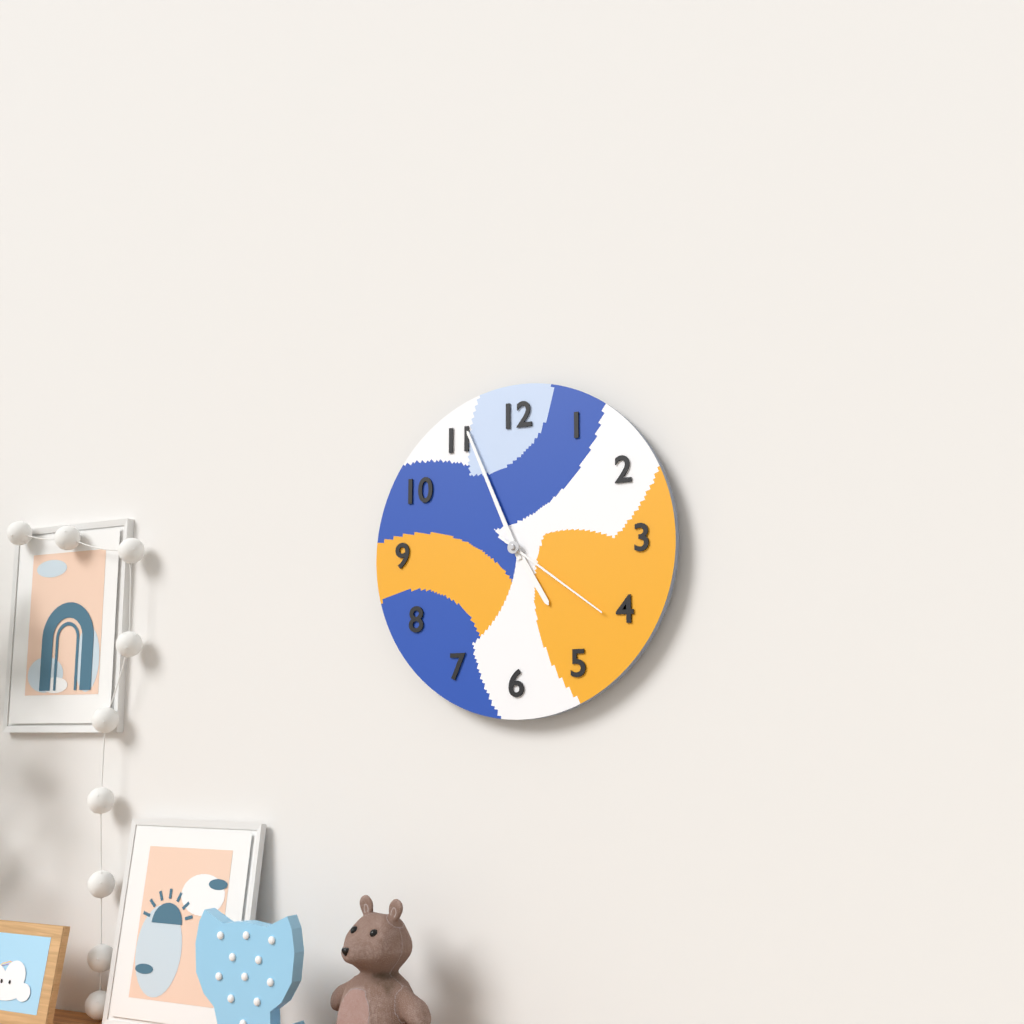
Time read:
4,56,21
